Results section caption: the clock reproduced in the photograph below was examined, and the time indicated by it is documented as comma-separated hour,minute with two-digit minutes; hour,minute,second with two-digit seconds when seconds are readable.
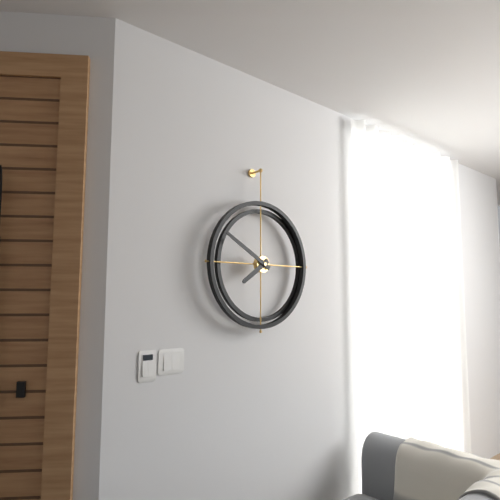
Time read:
7,50
